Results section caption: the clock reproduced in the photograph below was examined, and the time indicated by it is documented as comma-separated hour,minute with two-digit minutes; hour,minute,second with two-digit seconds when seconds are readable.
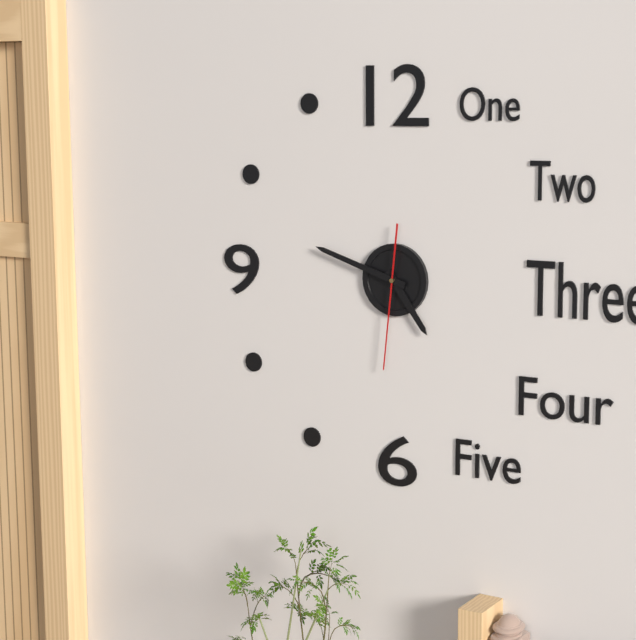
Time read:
4,48,31
